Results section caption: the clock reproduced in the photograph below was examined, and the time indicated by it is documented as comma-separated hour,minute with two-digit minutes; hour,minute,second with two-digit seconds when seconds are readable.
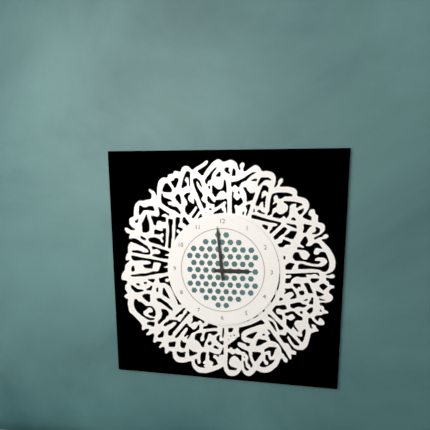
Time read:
2,59
